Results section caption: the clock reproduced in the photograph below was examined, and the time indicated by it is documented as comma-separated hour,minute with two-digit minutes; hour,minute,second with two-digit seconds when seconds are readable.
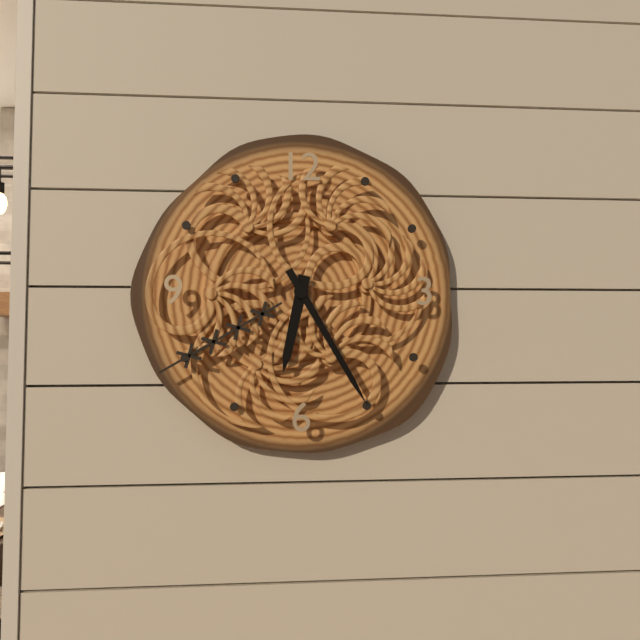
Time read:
6,25
